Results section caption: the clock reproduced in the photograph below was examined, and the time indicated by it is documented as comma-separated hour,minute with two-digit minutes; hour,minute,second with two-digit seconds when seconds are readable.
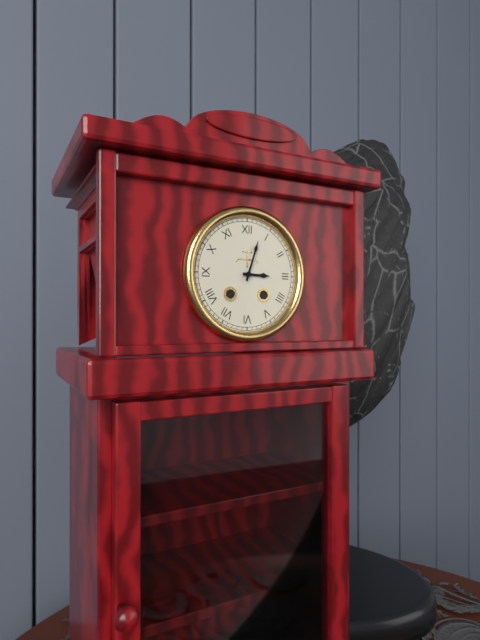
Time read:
3,03
